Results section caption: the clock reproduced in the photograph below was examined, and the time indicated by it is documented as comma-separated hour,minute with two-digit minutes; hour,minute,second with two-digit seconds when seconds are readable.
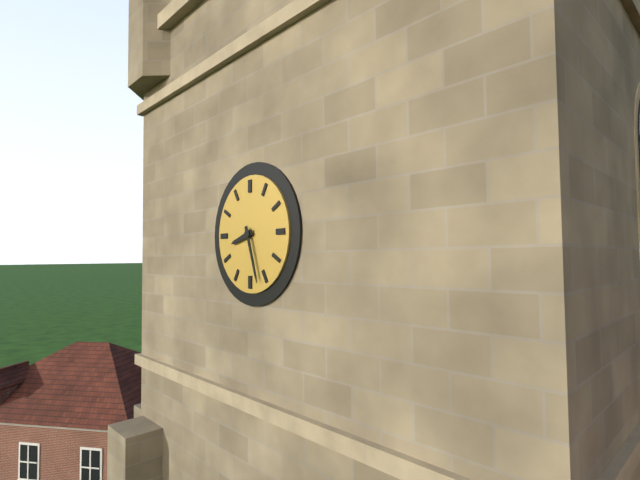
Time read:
8,27
